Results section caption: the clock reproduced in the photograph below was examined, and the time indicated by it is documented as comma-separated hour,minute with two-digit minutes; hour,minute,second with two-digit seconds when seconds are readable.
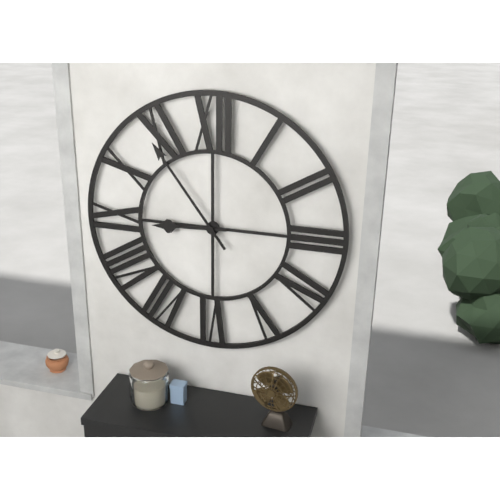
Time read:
8,54
